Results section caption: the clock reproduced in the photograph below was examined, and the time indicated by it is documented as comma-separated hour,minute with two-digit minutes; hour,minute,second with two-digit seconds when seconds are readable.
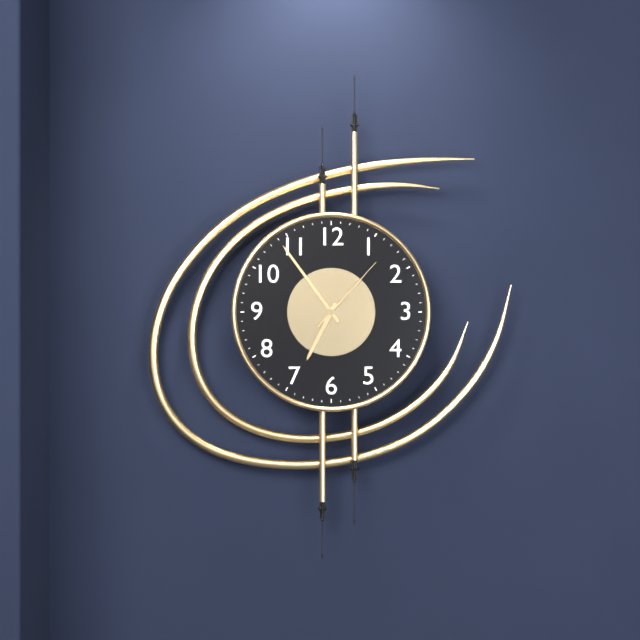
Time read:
6,54,07
